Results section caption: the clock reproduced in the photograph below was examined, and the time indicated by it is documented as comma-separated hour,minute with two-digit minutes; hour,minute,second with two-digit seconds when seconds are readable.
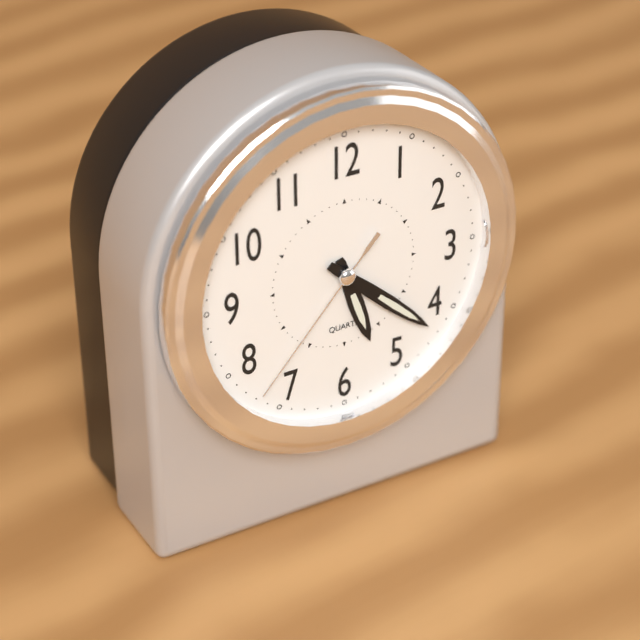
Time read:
5,22,37
